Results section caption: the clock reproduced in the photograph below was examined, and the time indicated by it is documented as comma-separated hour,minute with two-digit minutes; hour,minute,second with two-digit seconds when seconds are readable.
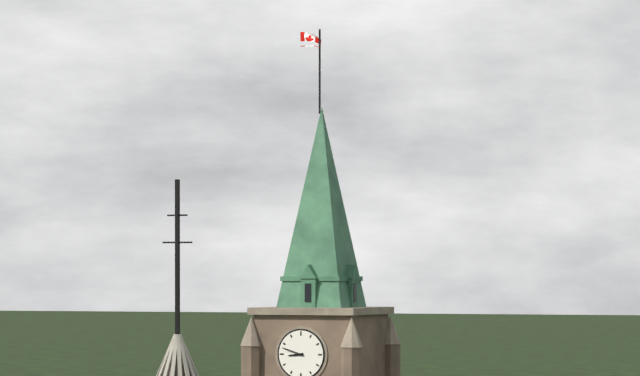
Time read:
8,48
